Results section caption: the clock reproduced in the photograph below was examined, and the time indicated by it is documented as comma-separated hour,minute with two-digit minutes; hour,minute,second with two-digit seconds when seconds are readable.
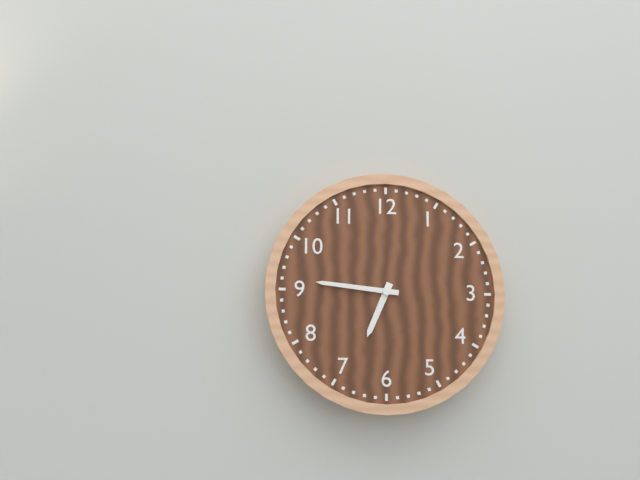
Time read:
6,46
